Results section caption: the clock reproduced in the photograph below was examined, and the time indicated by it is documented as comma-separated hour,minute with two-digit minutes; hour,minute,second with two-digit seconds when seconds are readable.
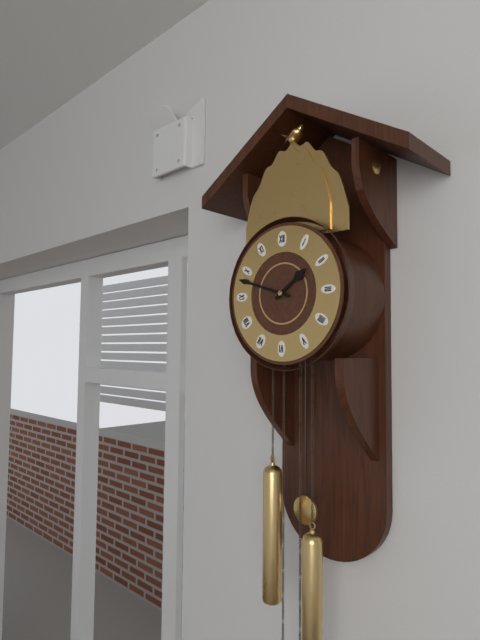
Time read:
1,48
